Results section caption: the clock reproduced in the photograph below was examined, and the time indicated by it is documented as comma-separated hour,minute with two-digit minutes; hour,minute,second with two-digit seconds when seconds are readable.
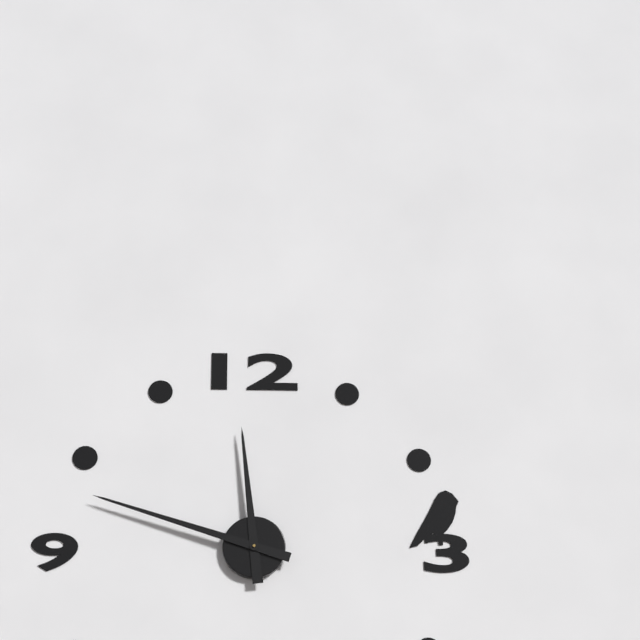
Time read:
11,48
